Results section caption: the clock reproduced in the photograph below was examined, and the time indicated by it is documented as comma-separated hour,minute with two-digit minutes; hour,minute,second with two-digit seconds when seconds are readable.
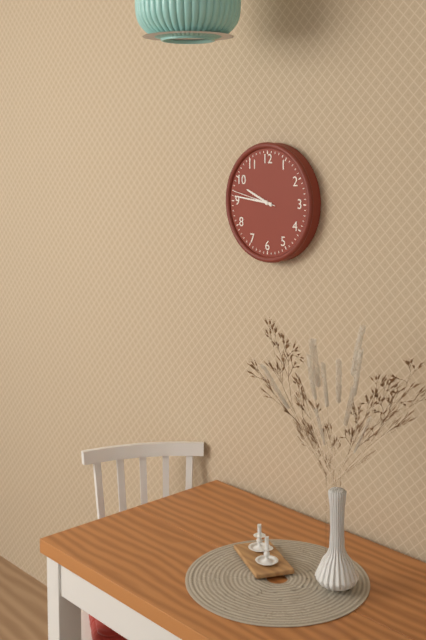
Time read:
9,46
